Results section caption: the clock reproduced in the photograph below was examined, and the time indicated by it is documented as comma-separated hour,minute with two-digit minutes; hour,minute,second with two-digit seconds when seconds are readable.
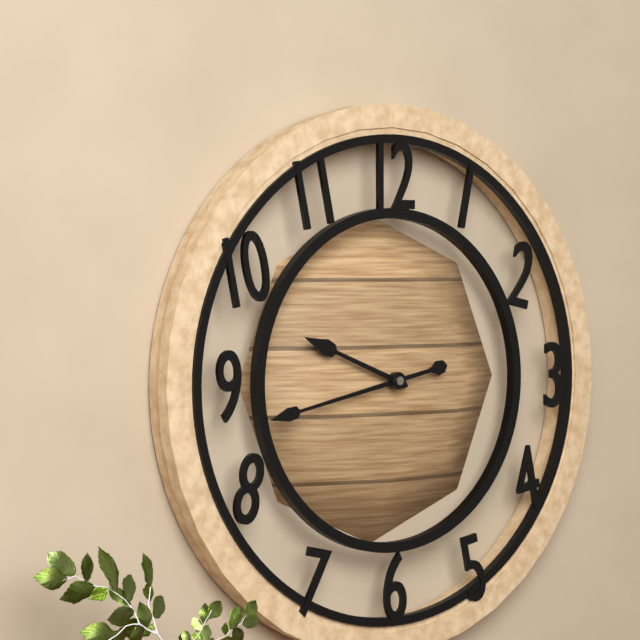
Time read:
9,43
